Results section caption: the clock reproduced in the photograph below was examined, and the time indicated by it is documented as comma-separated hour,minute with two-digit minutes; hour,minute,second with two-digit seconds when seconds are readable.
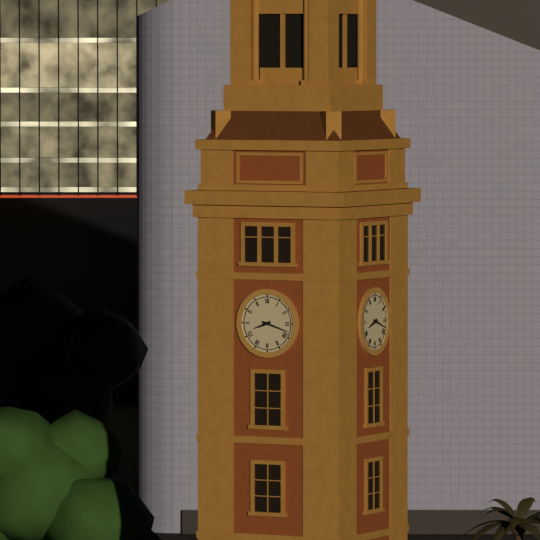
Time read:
8,18
